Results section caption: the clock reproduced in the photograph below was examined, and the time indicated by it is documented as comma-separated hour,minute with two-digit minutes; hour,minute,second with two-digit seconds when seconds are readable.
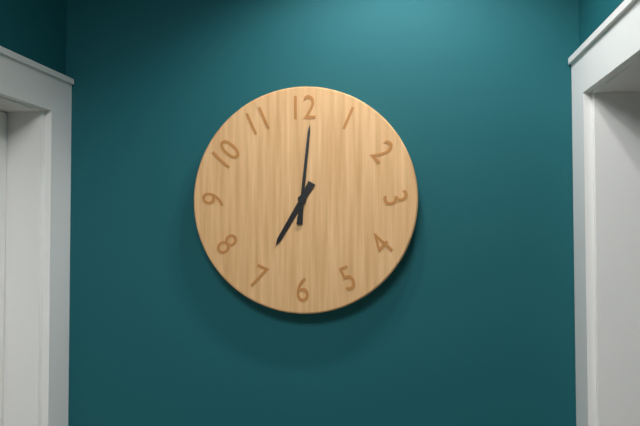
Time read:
7,01
